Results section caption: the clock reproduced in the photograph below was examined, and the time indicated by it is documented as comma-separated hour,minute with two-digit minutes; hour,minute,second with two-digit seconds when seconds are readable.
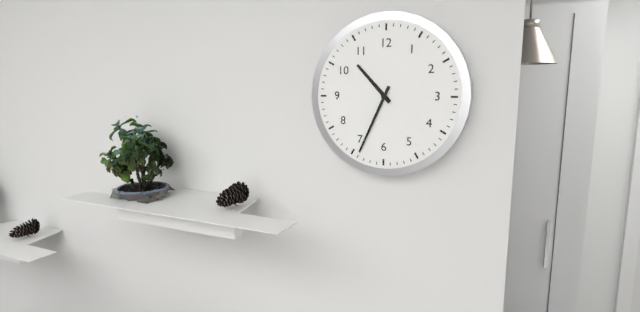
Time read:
10,34
